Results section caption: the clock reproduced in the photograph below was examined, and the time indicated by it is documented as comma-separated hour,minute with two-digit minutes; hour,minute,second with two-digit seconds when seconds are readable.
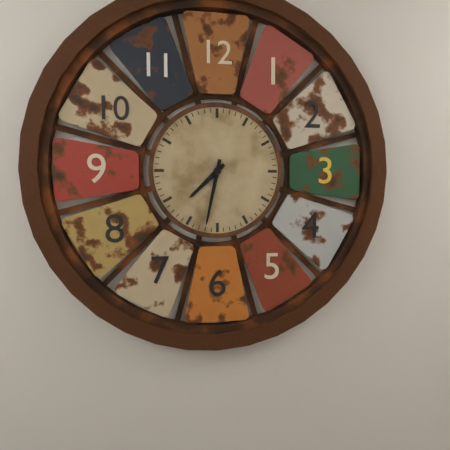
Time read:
7,32
